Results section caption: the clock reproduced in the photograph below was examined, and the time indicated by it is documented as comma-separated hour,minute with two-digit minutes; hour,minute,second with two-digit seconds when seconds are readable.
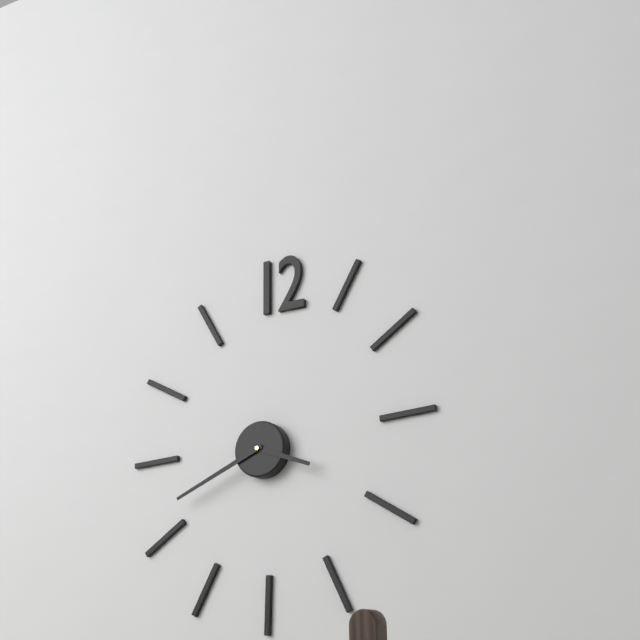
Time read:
3,41
